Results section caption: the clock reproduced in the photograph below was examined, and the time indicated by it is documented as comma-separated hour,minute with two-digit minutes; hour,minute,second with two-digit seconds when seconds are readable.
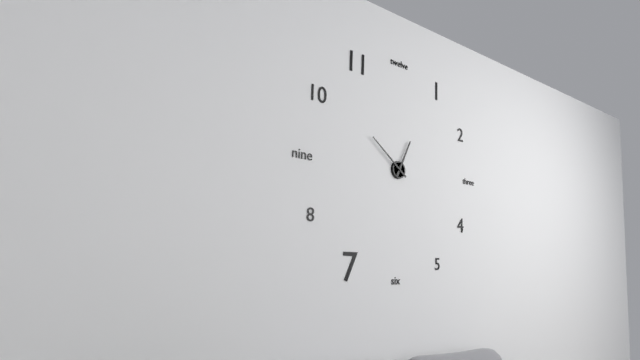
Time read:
12,51
